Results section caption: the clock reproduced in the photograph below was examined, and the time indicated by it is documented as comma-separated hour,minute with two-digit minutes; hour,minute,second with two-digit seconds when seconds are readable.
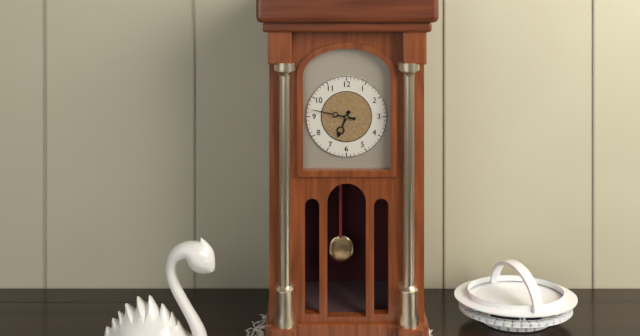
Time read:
6,47
